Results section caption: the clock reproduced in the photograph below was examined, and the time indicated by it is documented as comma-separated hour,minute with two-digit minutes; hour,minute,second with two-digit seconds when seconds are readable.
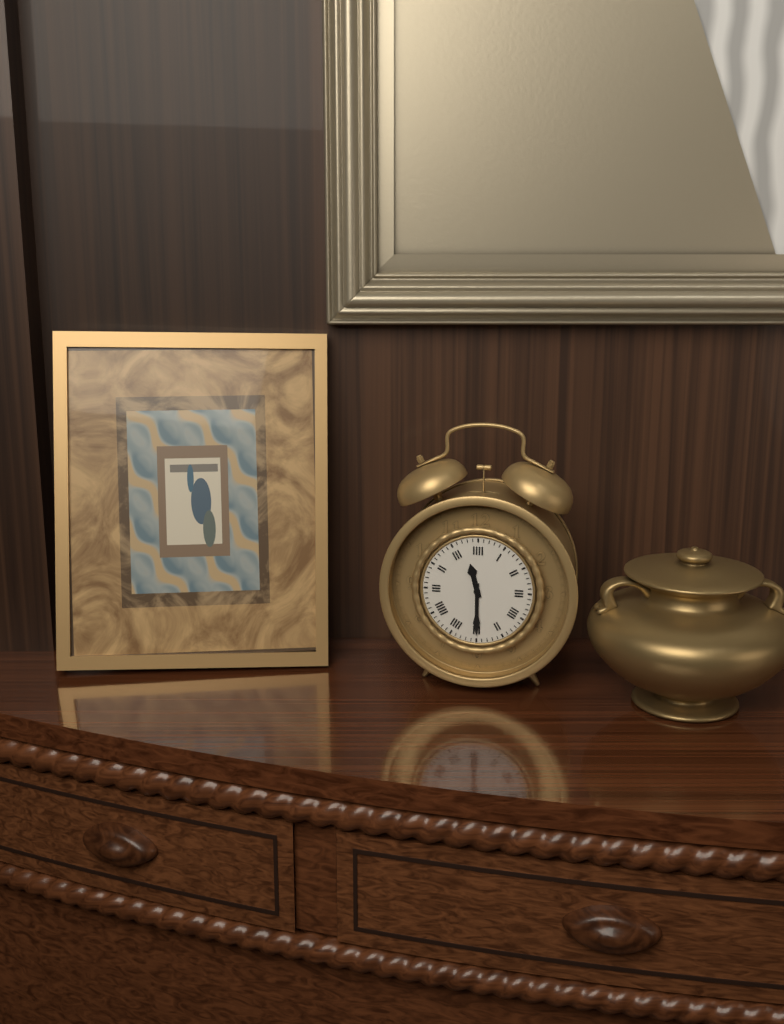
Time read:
11,30
